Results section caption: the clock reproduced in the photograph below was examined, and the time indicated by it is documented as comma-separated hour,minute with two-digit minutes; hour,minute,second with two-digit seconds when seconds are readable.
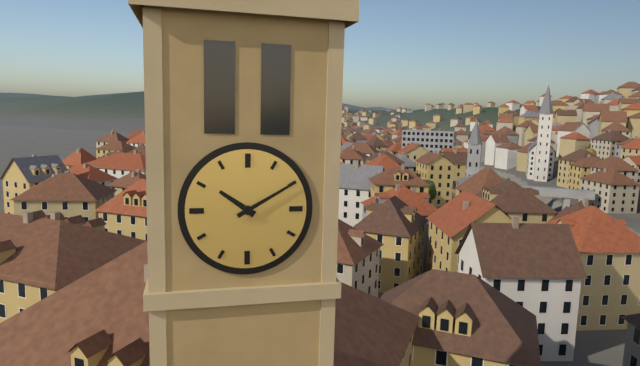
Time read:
10,10
